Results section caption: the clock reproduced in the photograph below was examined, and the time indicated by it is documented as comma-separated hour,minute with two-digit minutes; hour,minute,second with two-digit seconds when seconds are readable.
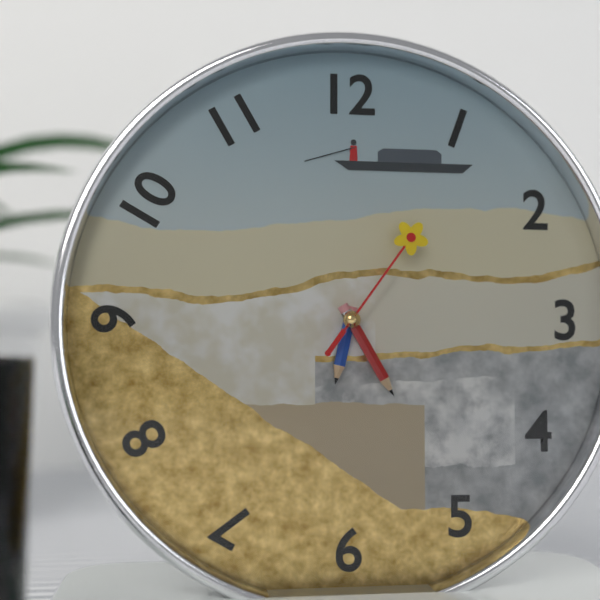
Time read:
6,25,06
